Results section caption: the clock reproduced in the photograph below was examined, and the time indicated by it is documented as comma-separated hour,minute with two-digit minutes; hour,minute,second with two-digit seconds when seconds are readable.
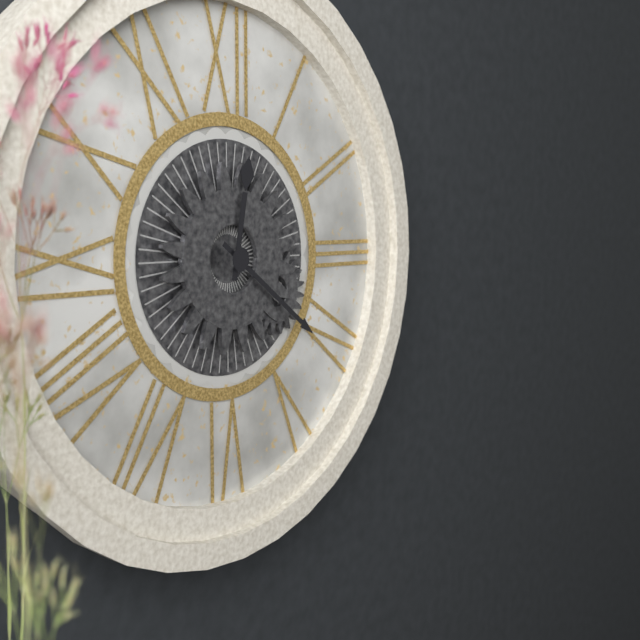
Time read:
12,21
